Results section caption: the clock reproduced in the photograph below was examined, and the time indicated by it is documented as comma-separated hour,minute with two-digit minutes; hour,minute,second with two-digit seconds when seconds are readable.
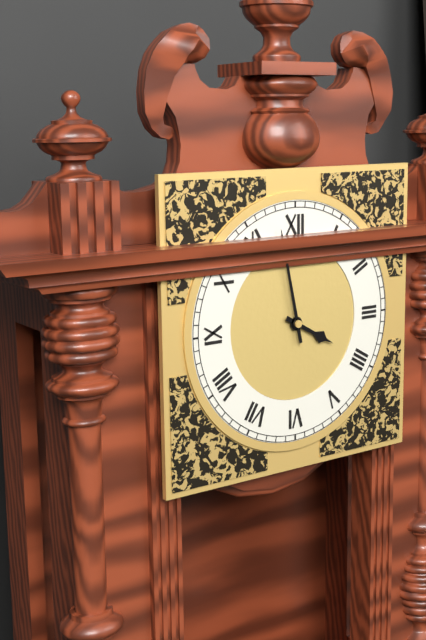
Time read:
3,58
